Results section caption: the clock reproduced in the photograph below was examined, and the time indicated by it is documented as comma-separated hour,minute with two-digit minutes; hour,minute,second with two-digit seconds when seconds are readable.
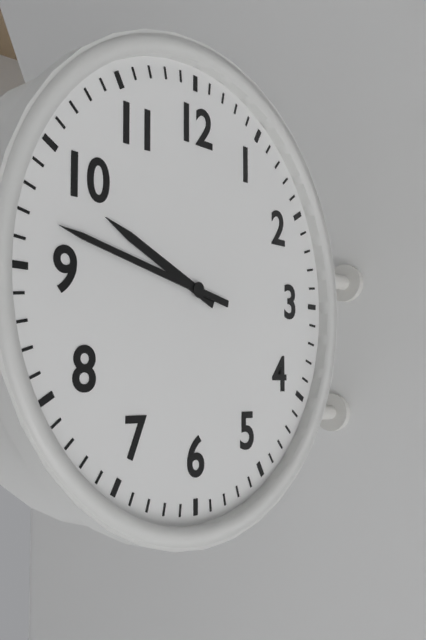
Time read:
9,47
